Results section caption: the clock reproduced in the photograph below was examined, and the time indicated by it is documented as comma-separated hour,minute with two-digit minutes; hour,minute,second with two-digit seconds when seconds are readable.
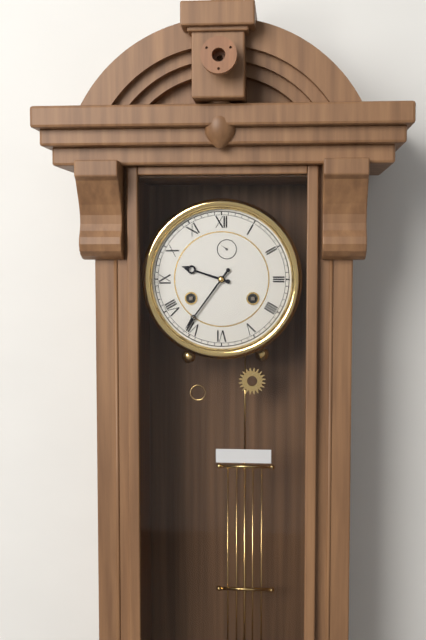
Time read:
9,36
